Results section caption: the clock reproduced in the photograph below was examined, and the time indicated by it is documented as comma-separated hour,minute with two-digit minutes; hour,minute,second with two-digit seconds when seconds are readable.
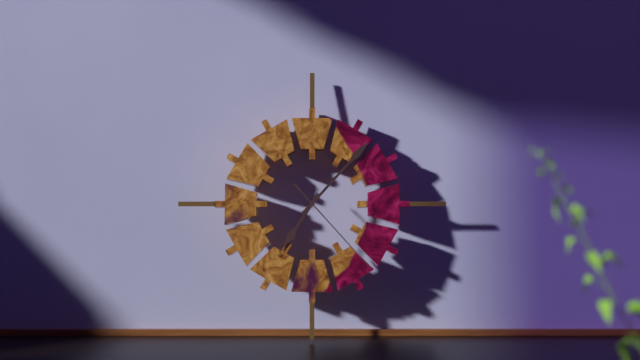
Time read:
7,07,23
